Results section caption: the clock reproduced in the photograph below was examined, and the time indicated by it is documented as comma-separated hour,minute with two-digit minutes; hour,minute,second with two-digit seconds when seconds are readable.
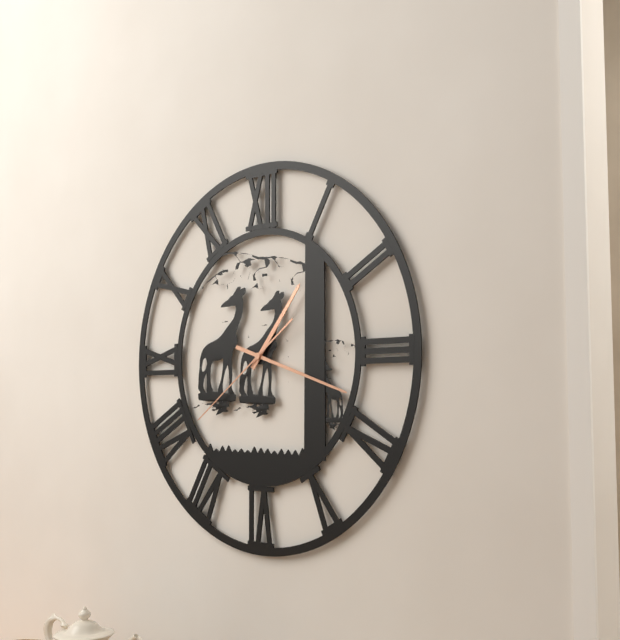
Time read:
1,18,39
